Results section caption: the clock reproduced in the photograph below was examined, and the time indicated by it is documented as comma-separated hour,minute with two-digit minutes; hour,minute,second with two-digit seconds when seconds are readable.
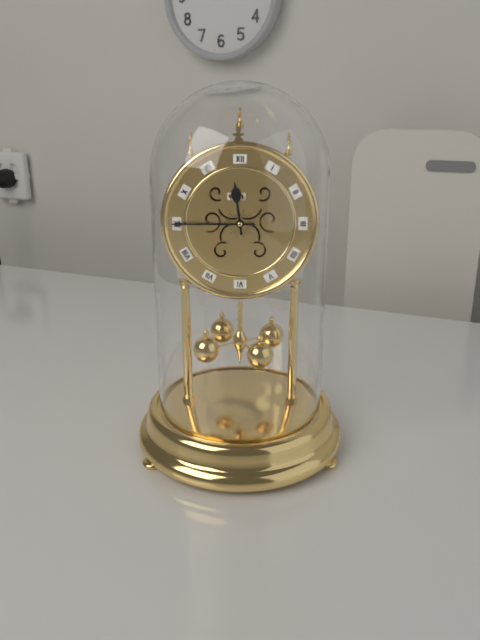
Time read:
11,45
